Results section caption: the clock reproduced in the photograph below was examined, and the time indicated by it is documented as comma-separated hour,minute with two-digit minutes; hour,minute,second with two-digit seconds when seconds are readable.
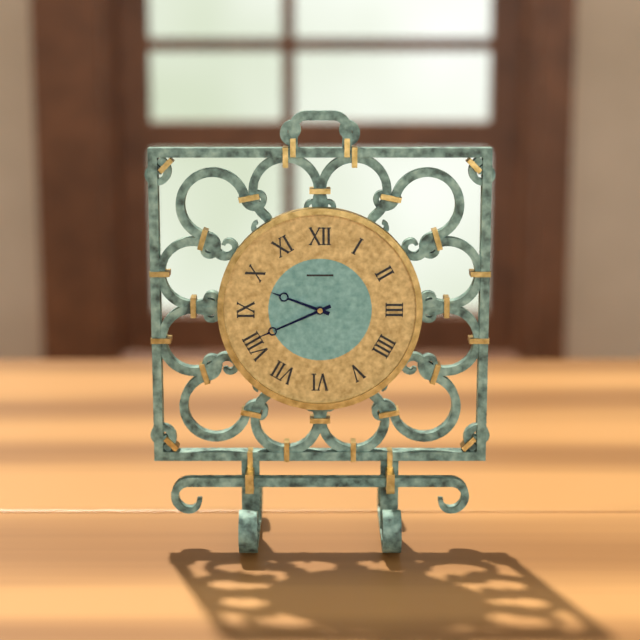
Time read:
9,41
